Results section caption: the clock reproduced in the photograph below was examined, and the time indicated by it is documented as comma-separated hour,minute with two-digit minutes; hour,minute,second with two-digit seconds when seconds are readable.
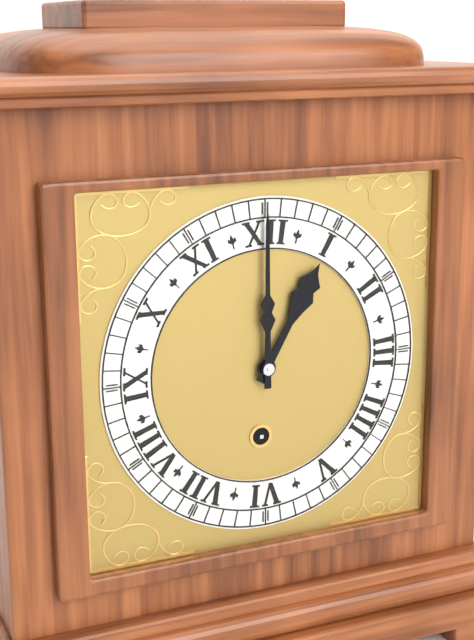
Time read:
1,00
